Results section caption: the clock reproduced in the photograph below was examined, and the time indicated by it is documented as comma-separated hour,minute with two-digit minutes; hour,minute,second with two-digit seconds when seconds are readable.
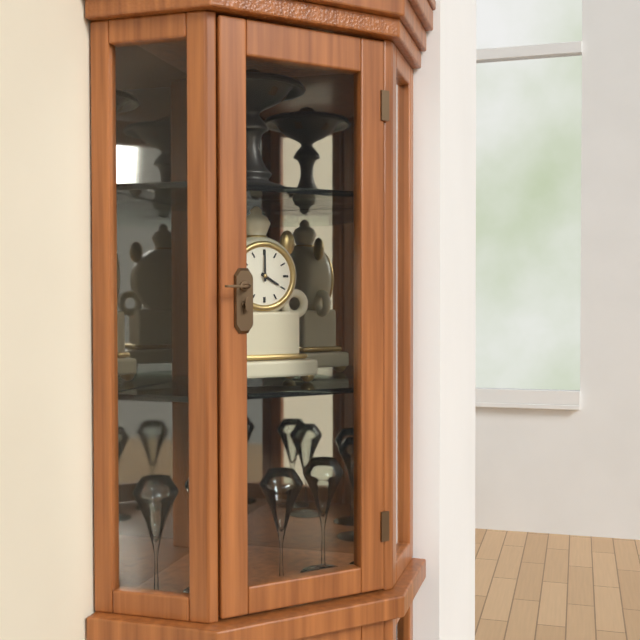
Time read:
4,00
